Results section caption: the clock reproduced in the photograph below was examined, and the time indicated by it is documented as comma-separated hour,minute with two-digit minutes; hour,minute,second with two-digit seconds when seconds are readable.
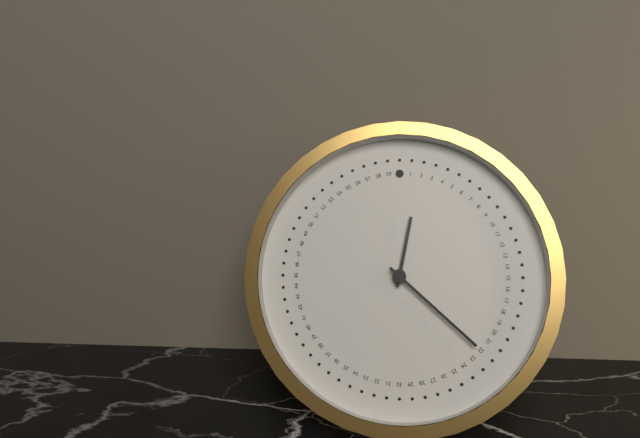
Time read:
12,22
